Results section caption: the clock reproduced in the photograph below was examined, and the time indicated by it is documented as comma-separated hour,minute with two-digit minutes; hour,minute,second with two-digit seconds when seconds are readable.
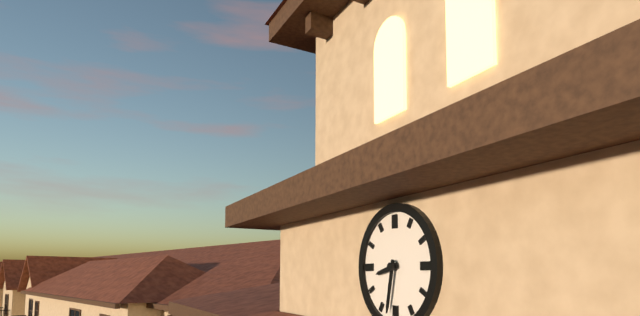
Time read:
8,32
